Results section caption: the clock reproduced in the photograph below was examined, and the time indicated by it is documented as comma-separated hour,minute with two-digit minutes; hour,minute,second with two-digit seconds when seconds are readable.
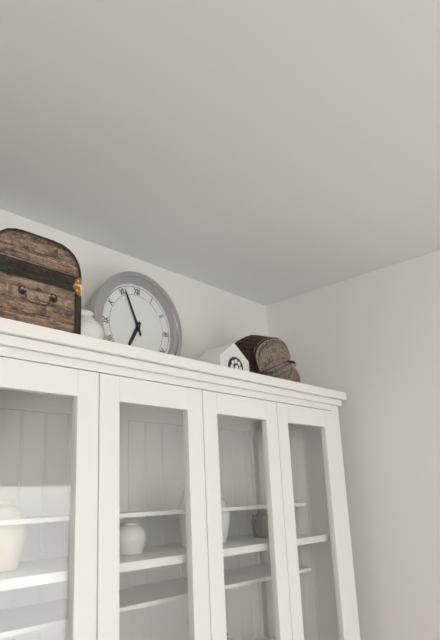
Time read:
6,56
